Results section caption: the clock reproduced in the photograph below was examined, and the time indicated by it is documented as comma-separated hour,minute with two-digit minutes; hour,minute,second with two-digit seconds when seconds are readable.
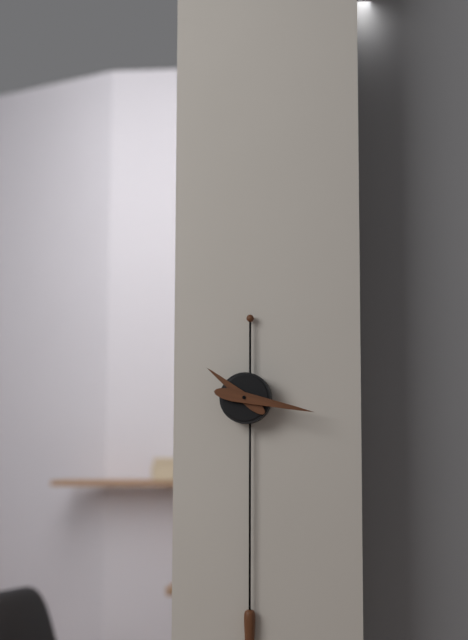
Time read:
10,17
